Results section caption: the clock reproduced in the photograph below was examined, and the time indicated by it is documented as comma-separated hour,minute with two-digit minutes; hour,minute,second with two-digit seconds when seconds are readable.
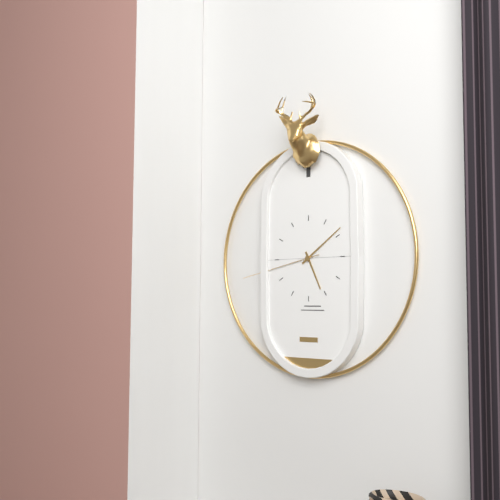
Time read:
5,09,43
